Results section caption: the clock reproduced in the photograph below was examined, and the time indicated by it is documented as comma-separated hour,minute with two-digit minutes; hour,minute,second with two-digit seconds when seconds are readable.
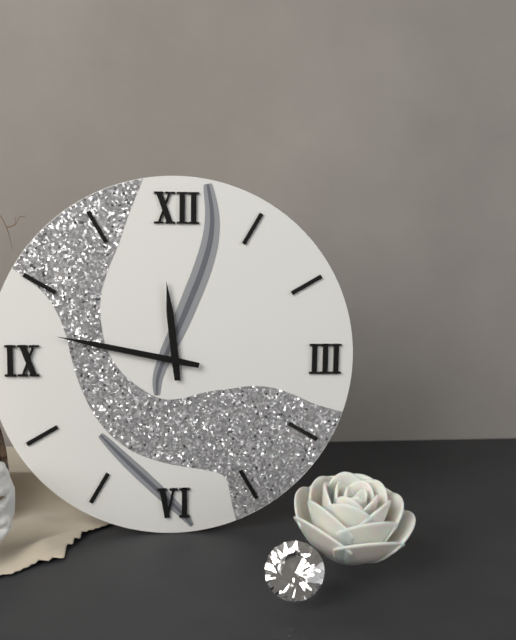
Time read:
11,47
